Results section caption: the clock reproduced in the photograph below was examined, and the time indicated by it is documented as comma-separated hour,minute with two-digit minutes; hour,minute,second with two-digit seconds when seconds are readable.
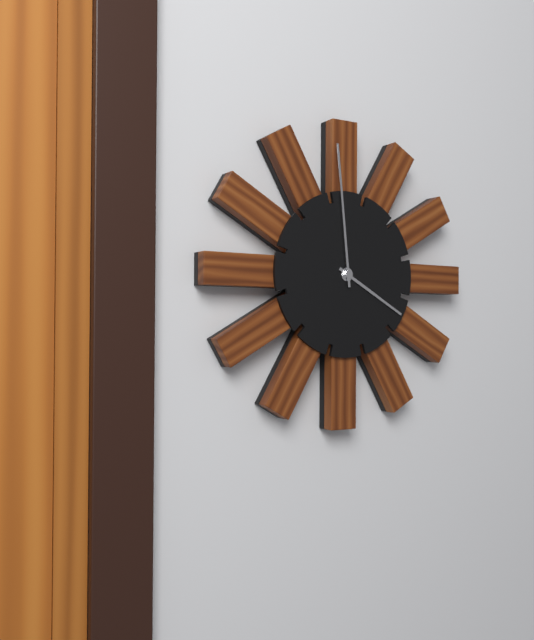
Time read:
3,59
